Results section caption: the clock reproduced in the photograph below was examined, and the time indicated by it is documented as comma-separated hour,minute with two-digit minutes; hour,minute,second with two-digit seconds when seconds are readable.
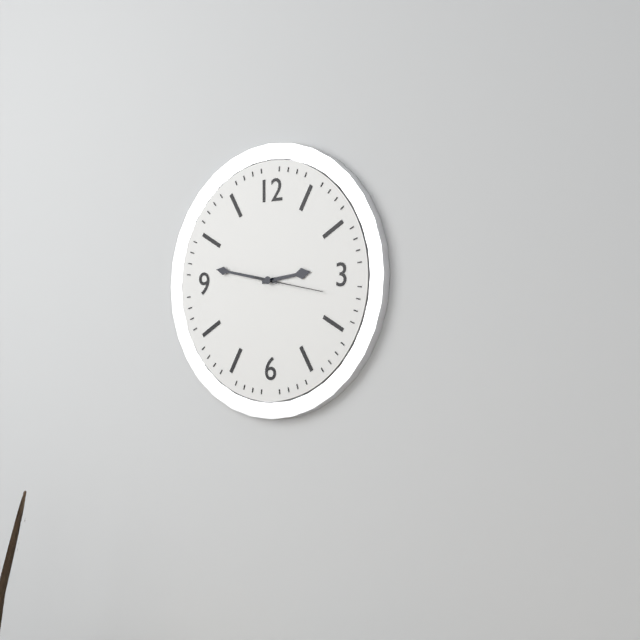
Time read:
2,47,17
